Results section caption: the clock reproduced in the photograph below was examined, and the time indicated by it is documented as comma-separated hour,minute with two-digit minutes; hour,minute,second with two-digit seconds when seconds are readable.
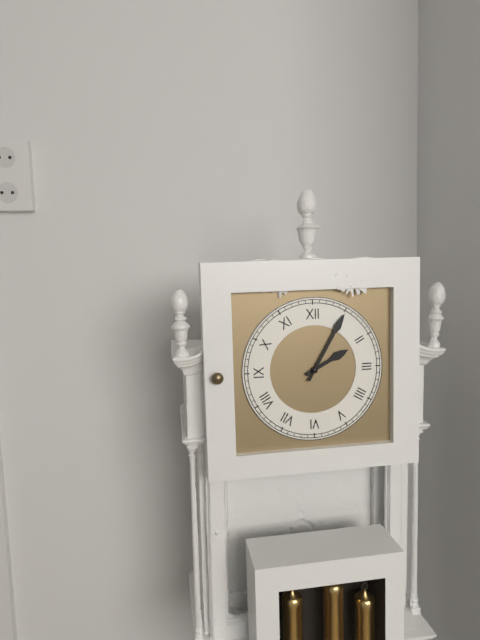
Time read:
2,05
